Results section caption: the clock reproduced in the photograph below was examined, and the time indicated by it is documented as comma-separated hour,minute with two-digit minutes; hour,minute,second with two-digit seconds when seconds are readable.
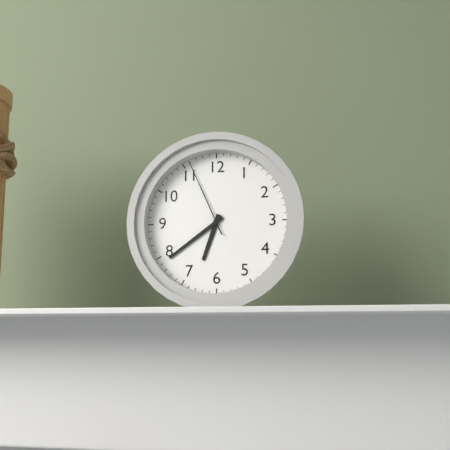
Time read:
6,39,56
